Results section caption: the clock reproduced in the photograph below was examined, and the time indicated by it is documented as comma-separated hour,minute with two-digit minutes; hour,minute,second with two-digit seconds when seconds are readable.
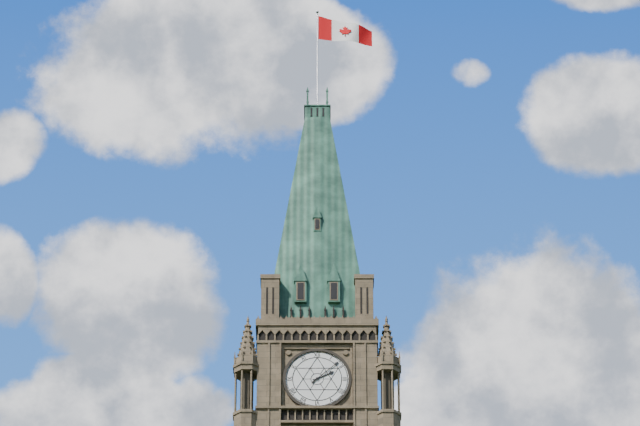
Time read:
2,08
